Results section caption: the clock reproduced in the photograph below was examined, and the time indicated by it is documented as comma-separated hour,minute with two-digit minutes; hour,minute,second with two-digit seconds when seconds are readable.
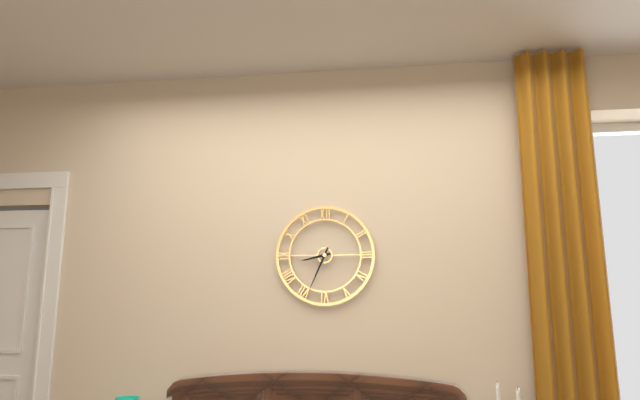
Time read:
8,34
